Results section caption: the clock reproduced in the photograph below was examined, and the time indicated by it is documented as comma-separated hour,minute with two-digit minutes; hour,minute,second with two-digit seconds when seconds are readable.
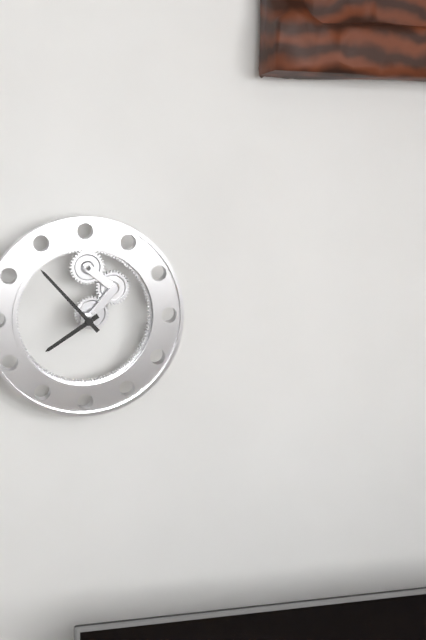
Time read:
7,53
